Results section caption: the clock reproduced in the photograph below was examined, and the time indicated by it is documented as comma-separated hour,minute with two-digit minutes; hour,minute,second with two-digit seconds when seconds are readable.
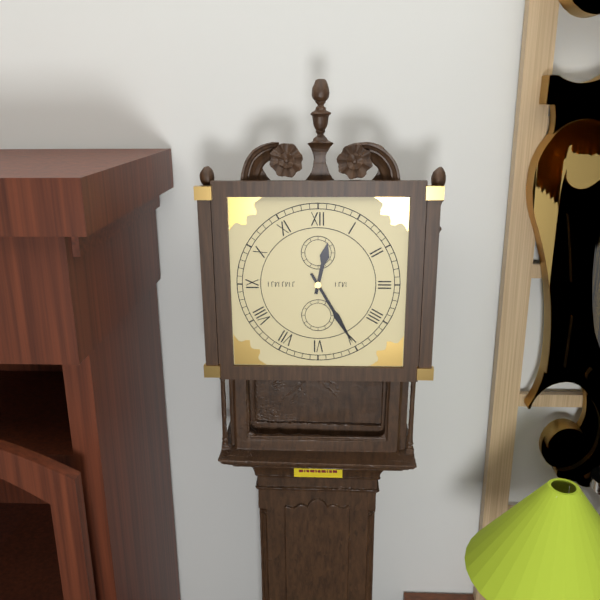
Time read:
12,25
